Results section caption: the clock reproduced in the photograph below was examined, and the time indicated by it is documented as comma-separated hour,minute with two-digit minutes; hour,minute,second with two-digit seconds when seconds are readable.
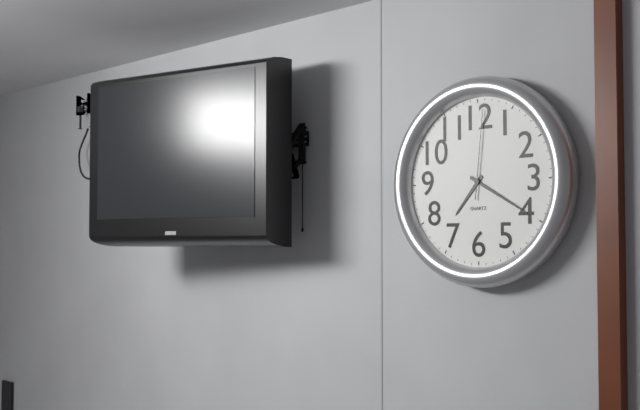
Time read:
7,20,01
